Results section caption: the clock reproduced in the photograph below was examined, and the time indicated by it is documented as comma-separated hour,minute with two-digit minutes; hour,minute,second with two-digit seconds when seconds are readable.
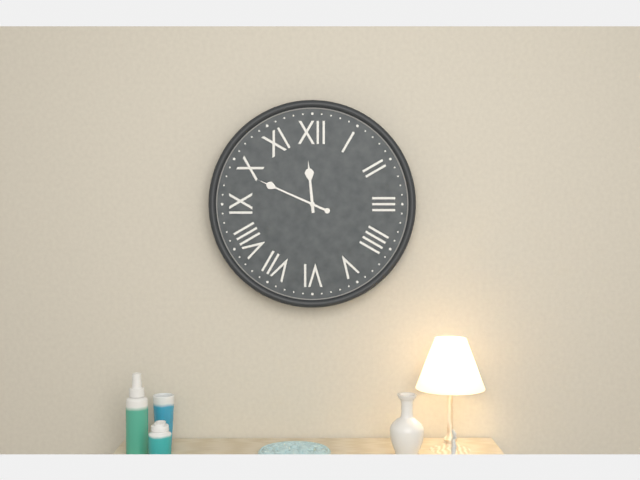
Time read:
11,49
